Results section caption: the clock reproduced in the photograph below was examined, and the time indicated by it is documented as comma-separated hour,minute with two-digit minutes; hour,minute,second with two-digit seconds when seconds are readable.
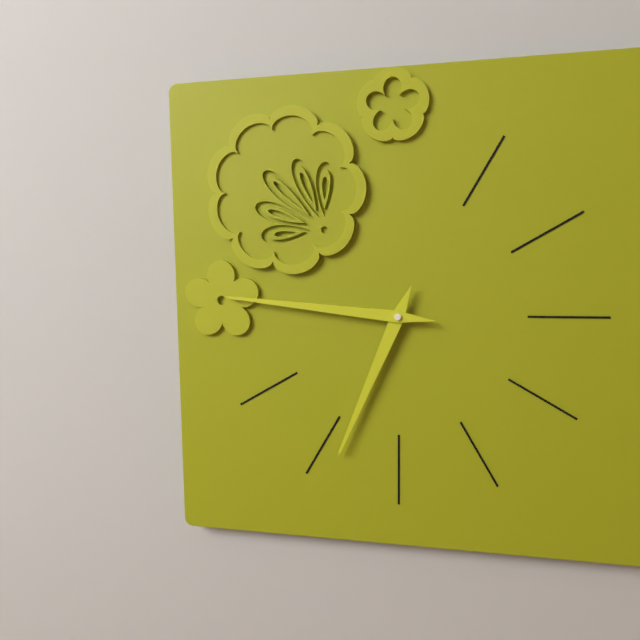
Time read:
6,46
